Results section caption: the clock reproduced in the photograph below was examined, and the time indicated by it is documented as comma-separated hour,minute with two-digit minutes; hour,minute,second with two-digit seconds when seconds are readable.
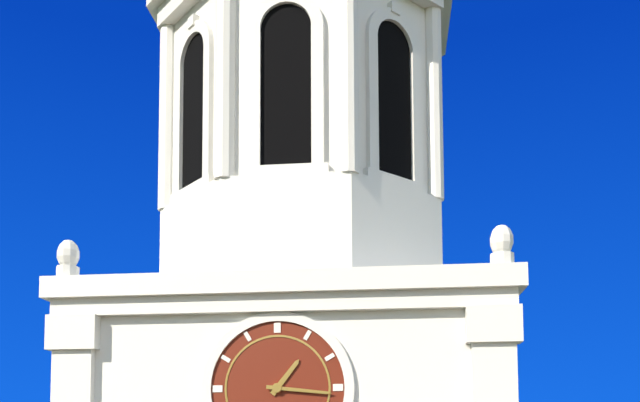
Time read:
1,16
